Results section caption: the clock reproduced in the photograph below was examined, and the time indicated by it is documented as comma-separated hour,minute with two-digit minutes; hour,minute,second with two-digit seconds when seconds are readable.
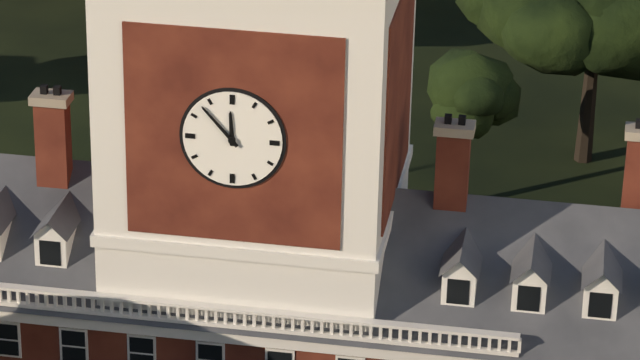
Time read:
11,53
